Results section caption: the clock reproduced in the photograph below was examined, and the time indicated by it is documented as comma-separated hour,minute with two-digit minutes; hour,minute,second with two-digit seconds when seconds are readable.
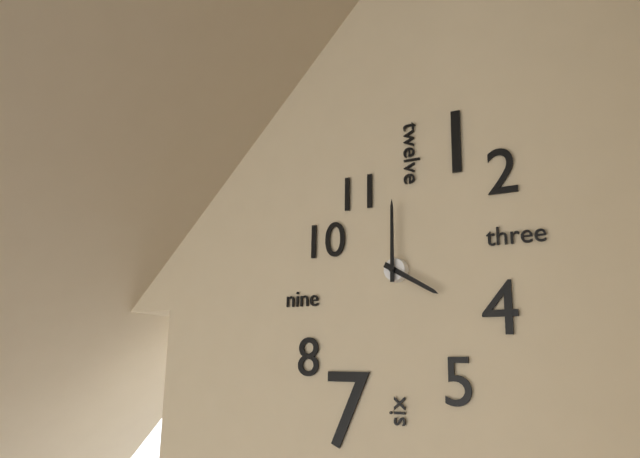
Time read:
4,00
